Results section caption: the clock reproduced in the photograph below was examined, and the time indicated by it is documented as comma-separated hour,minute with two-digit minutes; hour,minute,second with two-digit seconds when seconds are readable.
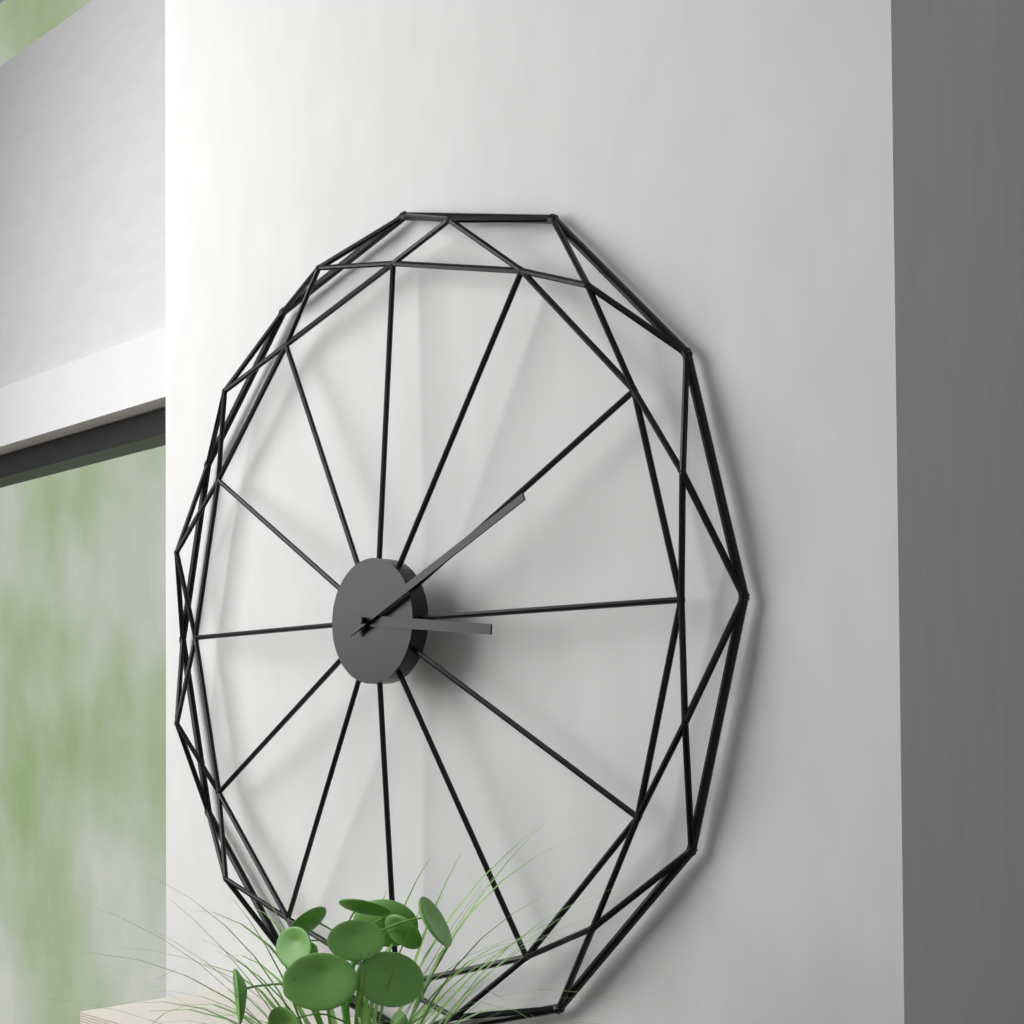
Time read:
3,11
